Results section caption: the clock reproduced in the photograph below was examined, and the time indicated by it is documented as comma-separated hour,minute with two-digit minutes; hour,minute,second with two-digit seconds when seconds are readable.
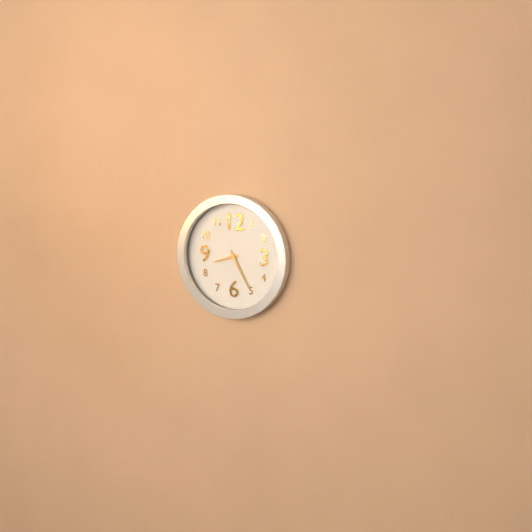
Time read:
8,25
